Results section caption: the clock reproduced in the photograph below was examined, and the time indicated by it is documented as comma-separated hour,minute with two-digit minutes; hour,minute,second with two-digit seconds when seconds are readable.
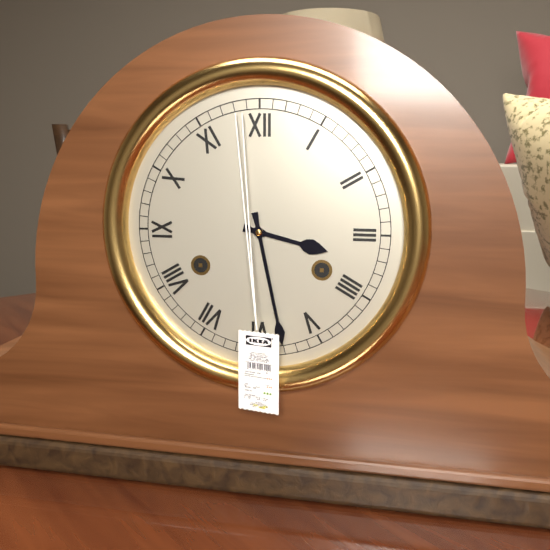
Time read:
3,28
